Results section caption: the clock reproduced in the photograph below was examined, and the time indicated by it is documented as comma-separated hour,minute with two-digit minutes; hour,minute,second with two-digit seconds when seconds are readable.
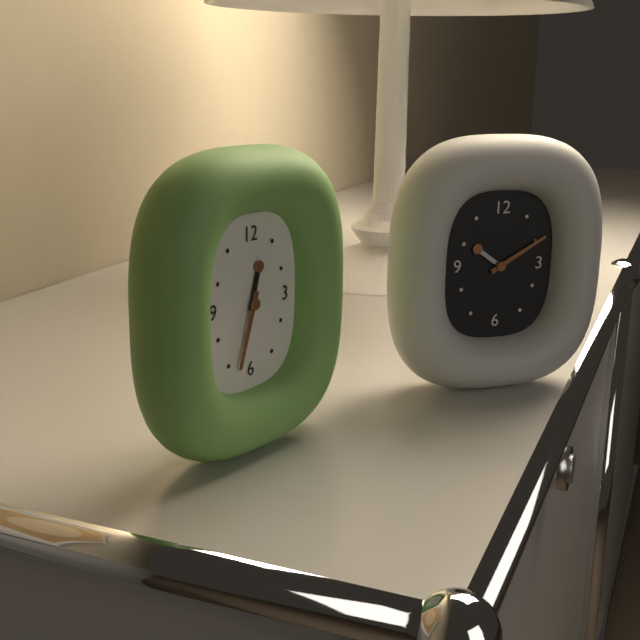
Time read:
12,33
